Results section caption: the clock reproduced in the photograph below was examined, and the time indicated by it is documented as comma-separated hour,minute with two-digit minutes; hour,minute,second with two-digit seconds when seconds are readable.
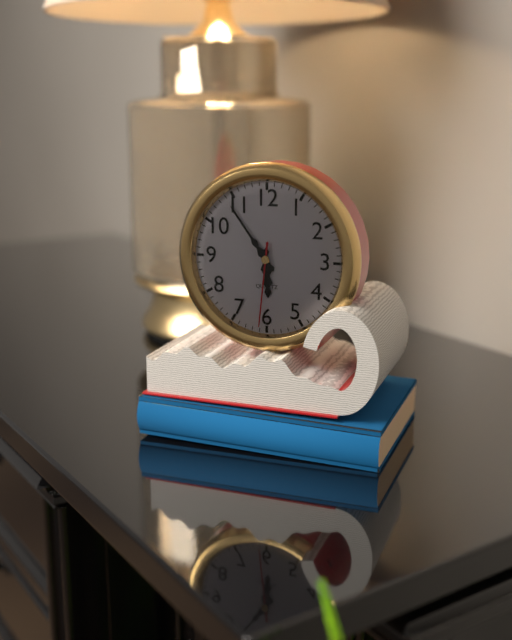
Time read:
5,54,31
